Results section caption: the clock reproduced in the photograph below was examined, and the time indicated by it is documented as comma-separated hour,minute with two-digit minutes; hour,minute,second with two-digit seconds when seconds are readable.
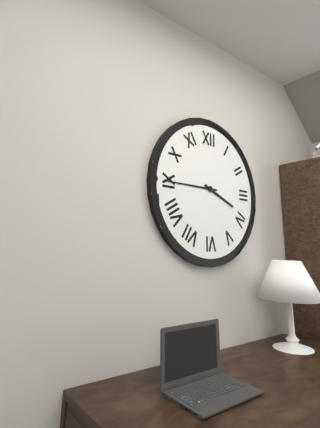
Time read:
3,45
